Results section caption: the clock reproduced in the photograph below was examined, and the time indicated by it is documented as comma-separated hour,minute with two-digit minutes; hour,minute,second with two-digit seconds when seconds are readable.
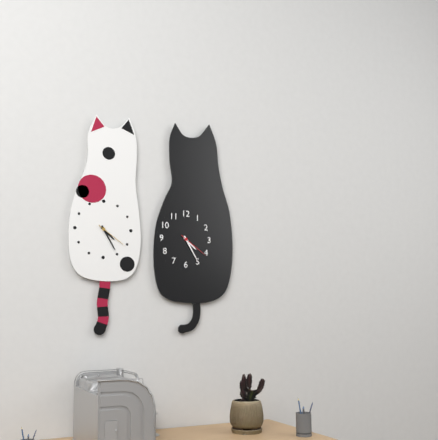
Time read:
4,25
